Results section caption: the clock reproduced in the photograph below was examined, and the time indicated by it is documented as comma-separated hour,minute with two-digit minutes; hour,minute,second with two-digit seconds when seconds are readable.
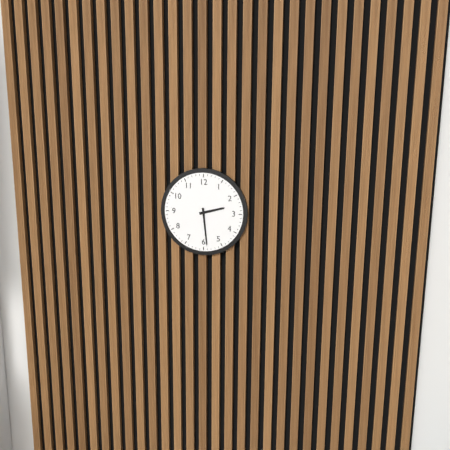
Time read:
2,29
